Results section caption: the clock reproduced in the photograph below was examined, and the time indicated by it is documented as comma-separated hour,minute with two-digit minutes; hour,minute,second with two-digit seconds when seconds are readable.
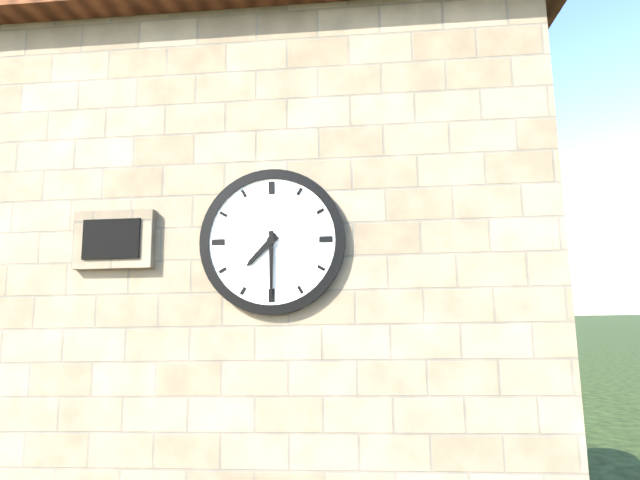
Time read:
7,30
